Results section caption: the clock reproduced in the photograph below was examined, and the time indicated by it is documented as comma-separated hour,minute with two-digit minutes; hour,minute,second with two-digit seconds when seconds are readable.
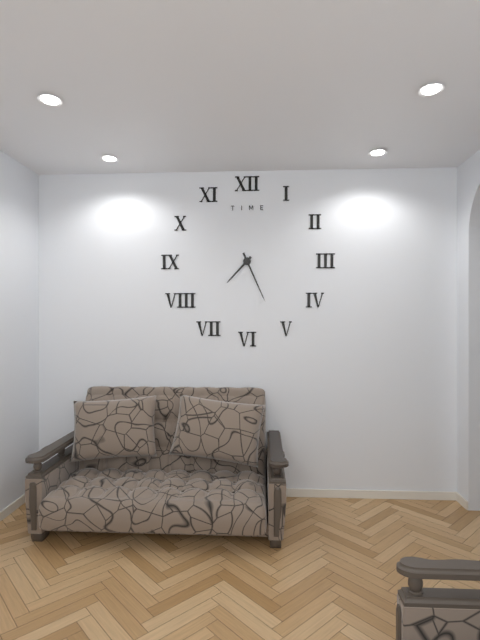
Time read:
7,26
